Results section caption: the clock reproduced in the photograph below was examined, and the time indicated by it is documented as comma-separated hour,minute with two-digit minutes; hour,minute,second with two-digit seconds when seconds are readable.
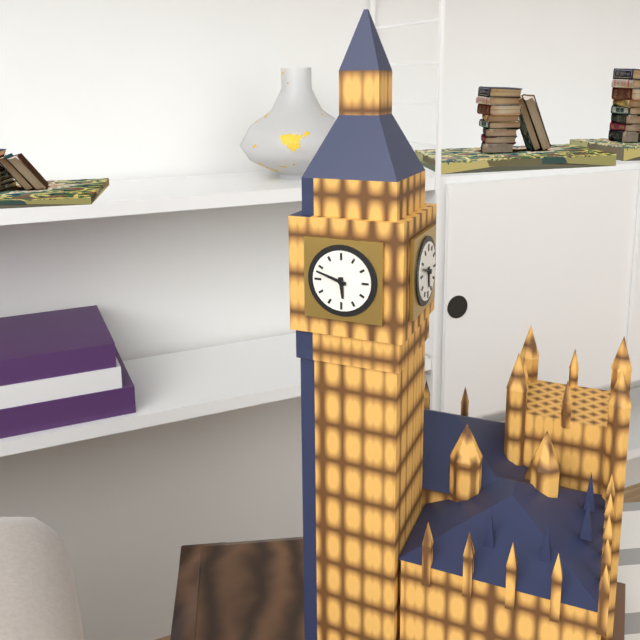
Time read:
5,48
